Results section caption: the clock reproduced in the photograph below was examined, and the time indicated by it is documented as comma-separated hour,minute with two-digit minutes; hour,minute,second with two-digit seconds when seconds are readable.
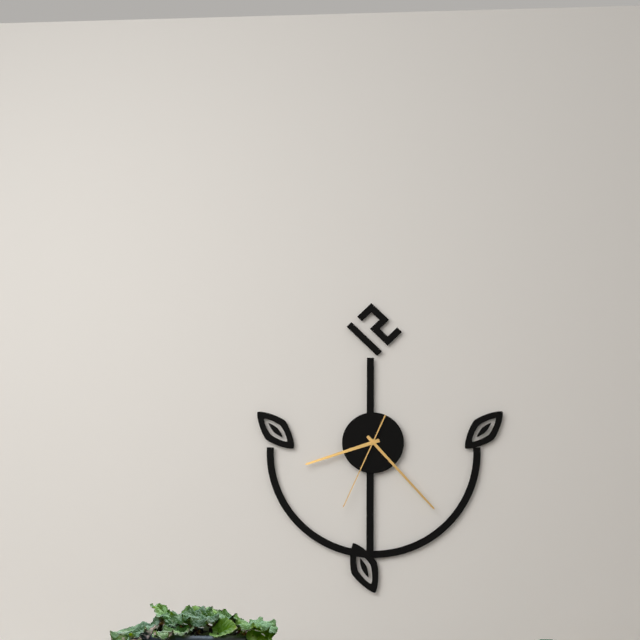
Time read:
8,23,34
